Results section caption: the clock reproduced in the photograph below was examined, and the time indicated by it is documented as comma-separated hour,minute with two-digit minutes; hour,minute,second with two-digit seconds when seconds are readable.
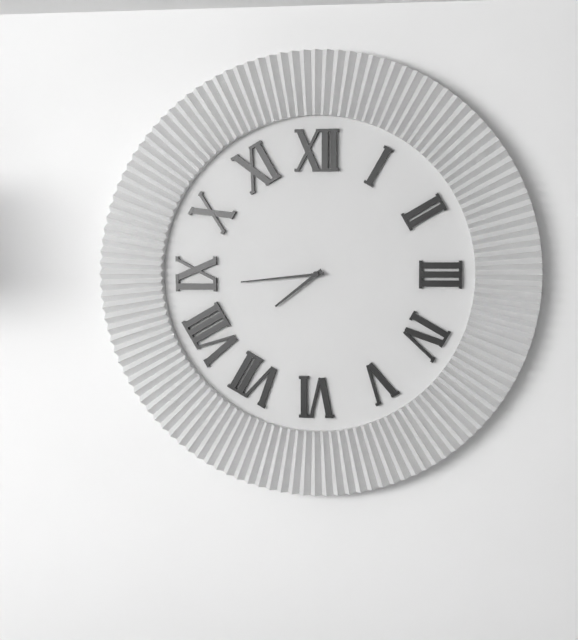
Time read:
7,44
